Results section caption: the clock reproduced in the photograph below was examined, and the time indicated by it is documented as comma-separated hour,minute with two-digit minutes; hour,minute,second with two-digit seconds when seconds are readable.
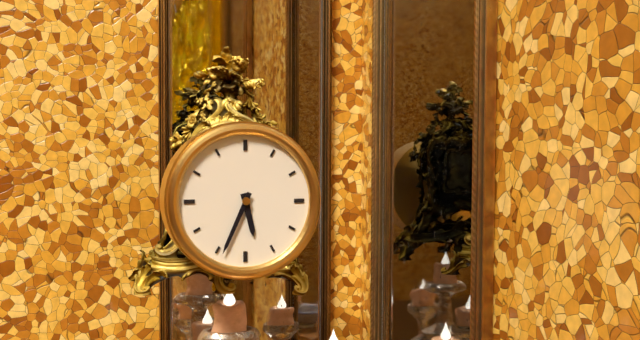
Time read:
5,34
